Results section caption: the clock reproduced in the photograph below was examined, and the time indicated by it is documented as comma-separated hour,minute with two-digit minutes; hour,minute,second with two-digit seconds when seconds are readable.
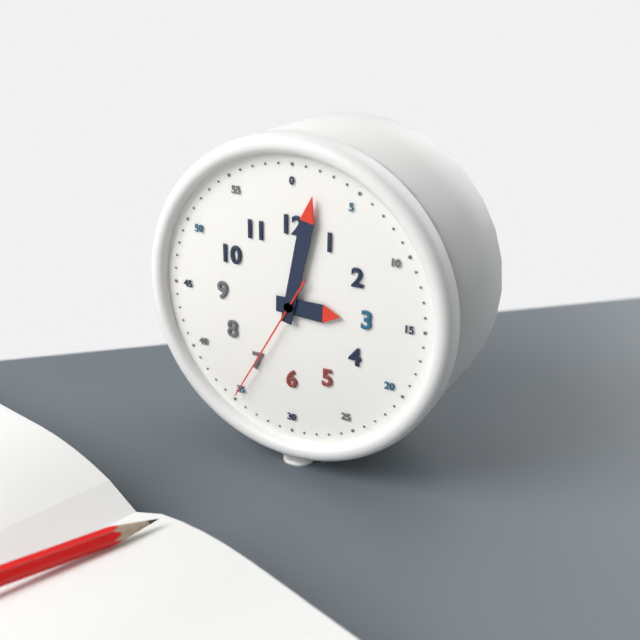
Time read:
3,02,35
